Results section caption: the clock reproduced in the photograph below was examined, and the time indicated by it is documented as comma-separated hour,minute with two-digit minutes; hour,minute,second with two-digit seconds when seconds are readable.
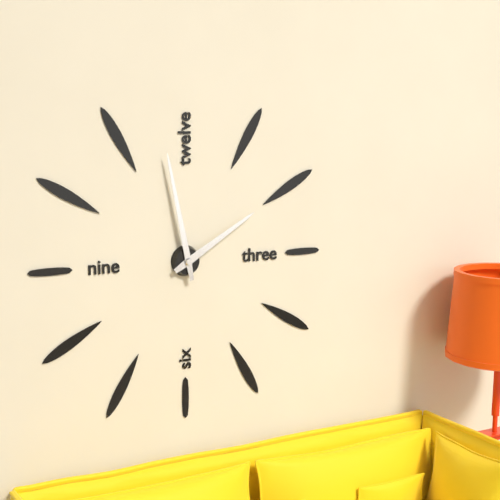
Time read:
1,58
